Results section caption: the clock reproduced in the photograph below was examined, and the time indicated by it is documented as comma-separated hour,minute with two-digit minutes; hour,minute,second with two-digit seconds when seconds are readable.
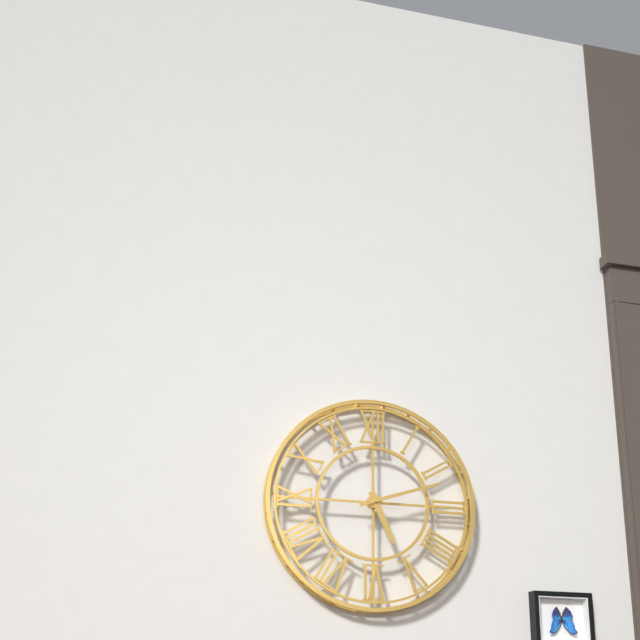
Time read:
5,12
